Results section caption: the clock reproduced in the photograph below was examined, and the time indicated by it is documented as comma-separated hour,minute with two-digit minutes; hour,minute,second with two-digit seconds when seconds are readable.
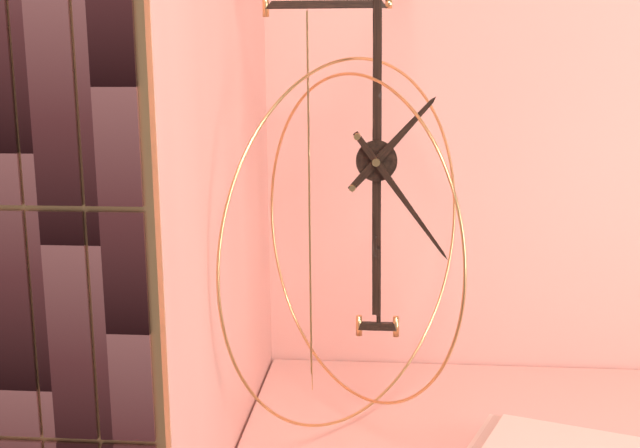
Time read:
1,24
